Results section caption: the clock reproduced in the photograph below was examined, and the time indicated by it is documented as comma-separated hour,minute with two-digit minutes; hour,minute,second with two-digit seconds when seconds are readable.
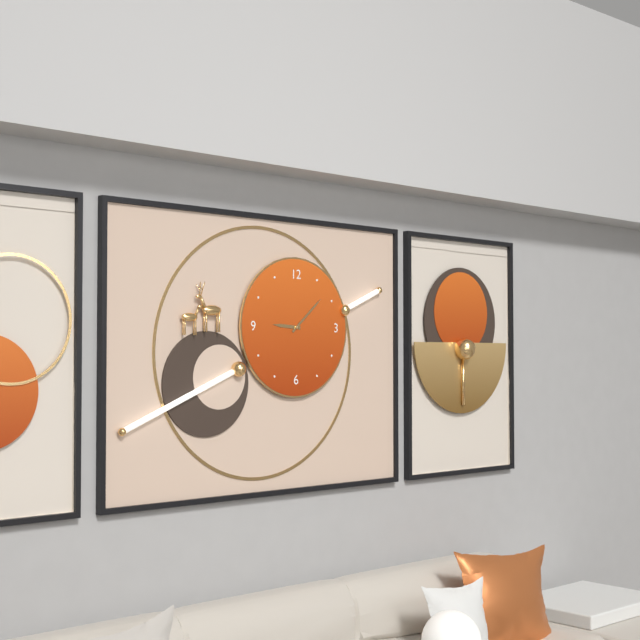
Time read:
9,08
